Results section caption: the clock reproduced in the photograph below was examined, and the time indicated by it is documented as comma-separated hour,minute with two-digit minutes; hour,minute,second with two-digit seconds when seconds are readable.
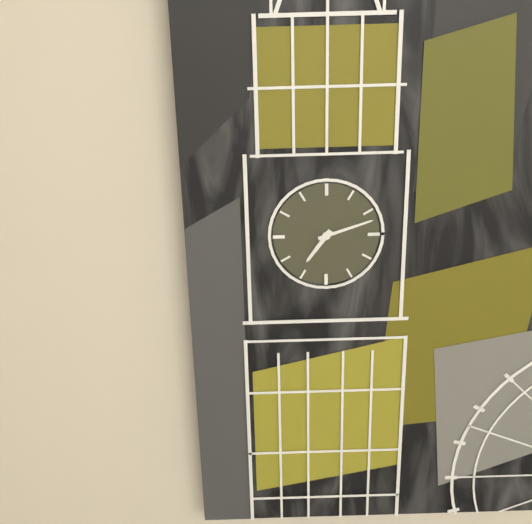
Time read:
7,12
